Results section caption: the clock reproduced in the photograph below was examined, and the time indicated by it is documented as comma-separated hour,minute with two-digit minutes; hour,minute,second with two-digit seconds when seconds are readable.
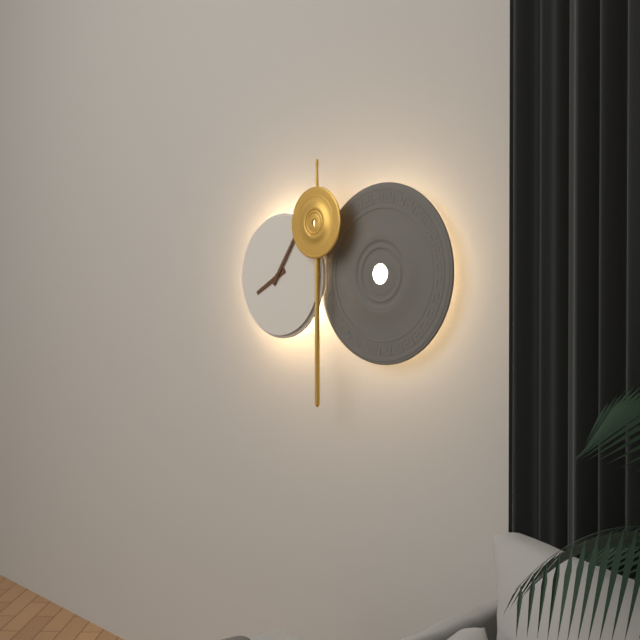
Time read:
8,06
